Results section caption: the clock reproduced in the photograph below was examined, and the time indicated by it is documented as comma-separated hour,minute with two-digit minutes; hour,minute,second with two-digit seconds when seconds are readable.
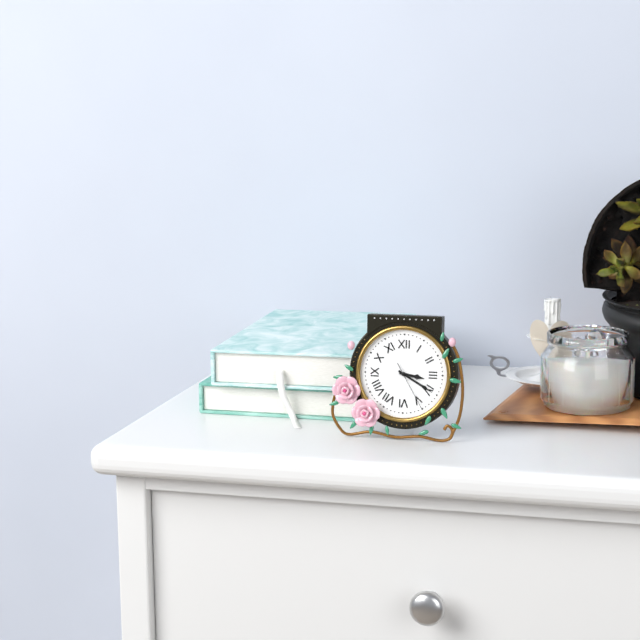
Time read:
3,20
